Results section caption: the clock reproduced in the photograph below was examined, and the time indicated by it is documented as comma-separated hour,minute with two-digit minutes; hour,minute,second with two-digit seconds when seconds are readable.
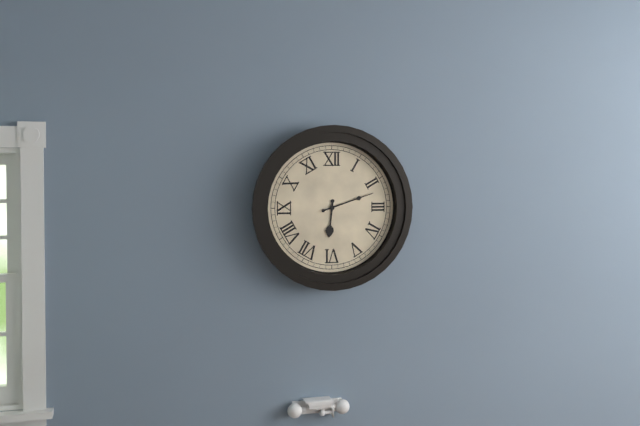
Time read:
6,12
